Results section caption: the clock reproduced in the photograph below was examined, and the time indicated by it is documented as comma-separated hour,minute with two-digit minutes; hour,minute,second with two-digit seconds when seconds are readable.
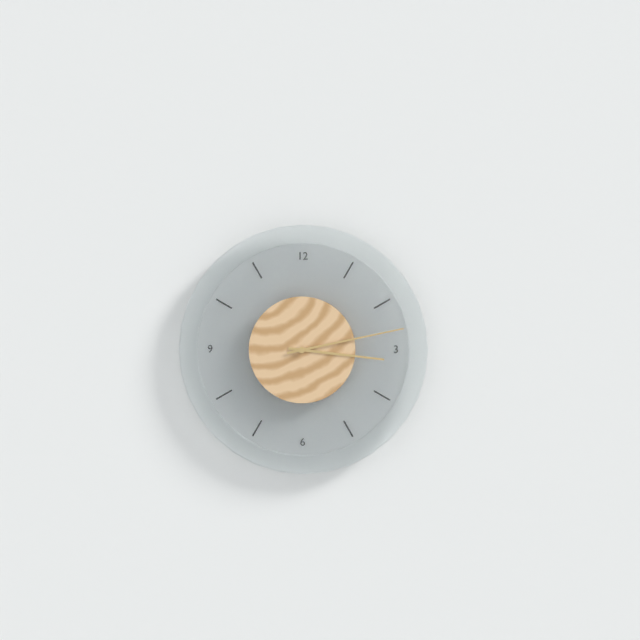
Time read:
3,13
